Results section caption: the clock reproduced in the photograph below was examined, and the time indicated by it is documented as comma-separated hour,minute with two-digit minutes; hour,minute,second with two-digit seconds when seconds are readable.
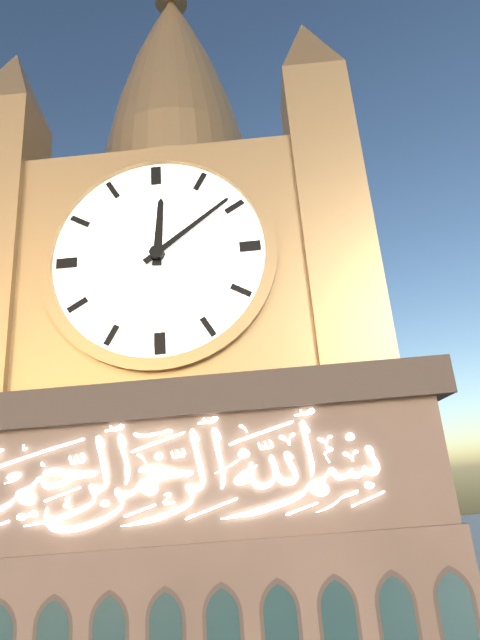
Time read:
12,09
